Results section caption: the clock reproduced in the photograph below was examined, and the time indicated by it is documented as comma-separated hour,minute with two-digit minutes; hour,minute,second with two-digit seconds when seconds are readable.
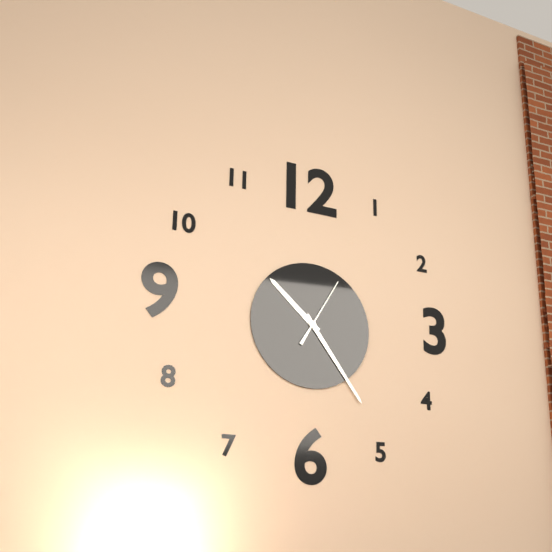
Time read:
10,24,05
